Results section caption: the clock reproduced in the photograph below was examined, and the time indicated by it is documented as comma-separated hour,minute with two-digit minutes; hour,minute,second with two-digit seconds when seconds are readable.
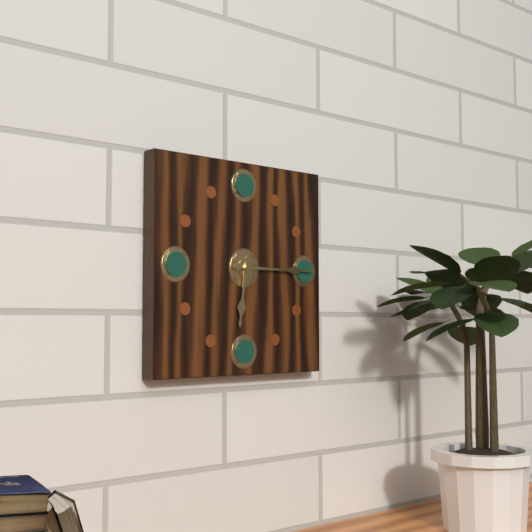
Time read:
6,15
